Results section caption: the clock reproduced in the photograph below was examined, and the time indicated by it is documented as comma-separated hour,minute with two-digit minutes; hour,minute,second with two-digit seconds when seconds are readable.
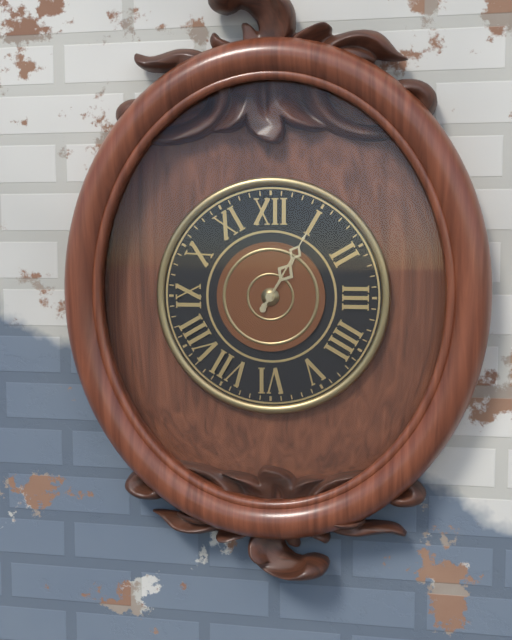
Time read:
1,05
